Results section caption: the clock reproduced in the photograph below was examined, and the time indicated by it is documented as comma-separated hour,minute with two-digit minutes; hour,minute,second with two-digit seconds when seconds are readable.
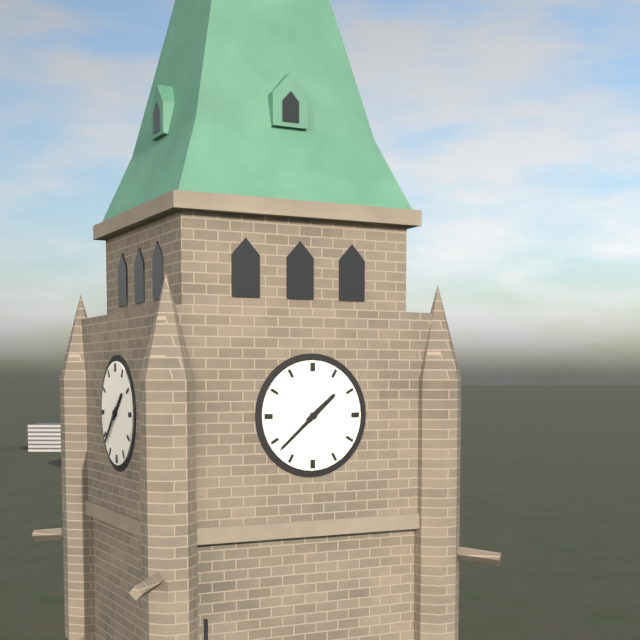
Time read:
1,38
